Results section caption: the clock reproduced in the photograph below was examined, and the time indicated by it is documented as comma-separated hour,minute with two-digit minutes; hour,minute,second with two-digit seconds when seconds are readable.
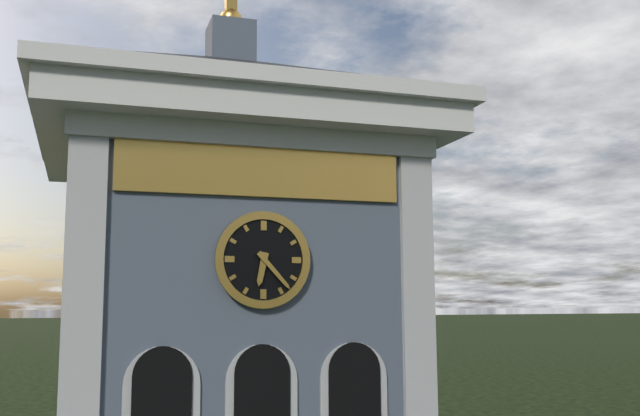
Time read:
6,23
